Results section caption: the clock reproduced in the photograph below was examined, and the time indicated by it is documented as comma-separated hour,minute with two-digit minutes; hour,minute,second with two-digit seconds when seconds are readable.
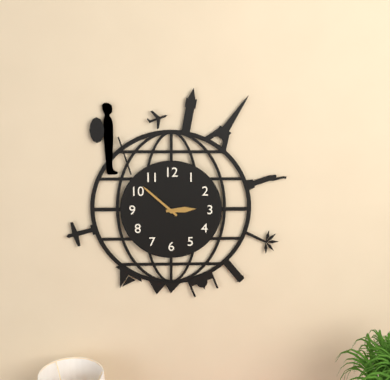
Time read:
2,52
